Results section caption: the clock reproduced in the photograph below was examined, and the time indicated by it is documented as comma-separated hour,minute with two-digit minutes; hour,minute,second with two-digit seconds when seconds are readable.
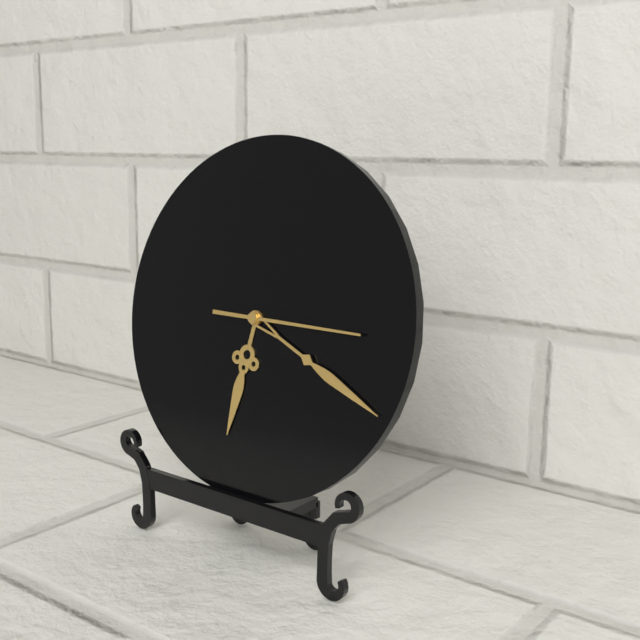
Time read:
6,19,15
